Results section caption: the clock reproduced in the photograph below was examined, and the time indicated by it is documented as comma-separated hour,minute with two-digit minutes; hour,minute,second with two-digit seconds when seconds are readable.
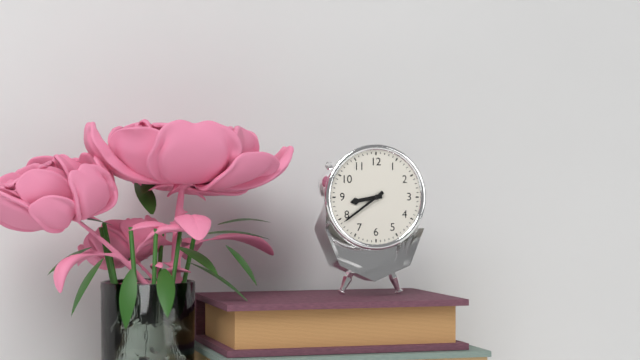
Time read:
8,39
